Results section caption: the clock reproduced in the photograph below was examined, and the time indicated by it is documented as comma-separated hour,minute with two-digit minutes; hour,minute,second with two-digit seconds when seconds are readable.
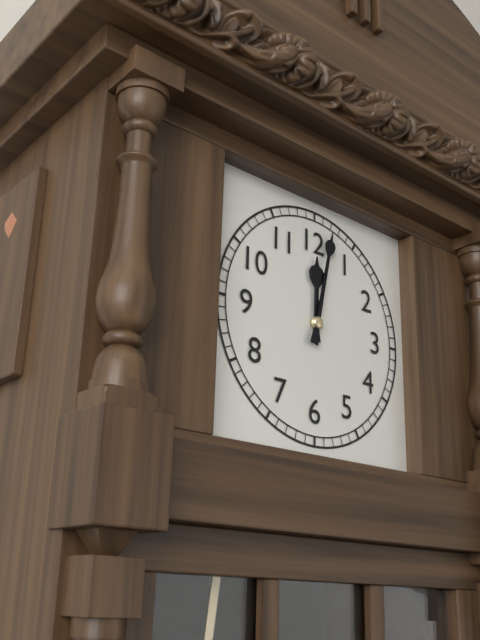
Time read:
12,02
